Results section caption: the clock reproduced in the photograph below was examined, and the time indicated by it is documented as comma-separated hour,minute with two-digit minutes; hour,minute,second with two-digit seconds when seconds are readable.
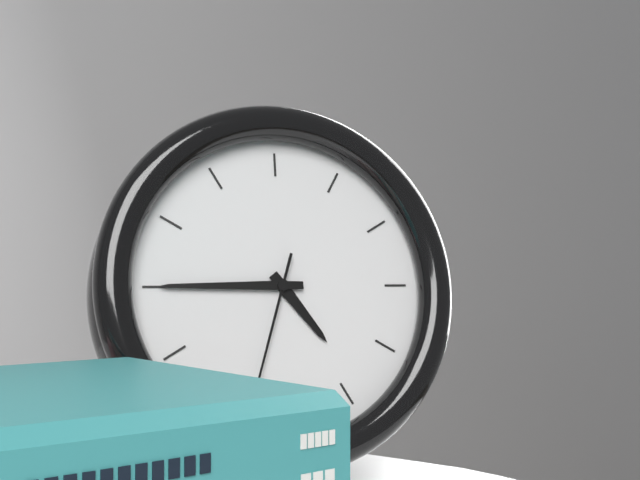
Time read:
4,45
